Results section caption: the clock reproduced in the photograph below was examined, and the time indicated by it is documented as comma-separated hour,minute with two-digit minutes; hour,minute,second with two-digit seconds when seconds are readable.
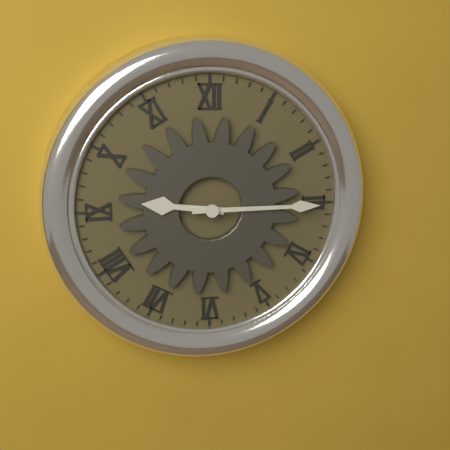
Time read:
9,15
